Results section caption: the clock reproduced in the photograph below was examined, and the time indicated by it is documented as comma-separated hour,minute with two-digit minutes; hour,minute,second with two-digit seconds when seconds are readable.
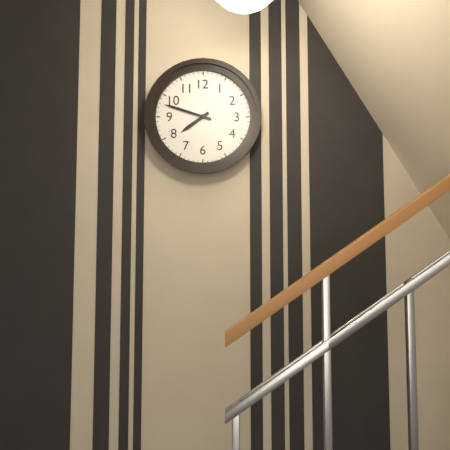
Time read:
7,48
